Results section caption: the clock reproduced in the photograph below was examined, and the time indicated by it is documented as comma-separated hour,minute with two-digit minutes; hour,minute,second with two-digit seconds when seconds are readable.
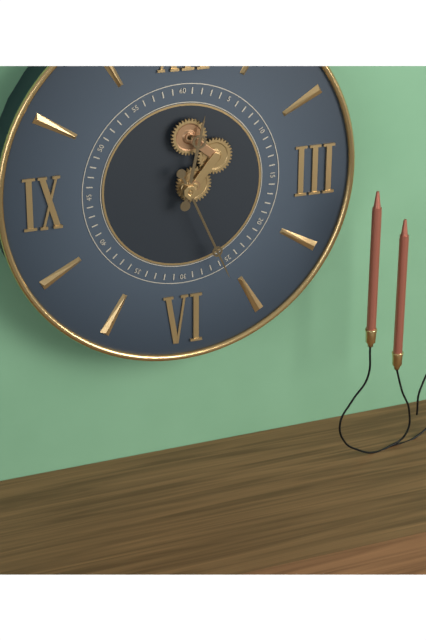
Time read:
12,26
